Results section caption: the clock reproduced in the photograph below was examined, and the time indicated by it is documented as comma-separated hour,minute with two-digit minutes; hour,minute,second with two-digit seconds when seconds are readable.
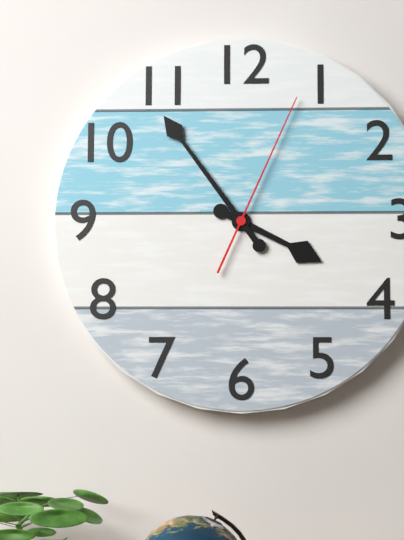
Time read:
3,54,04
